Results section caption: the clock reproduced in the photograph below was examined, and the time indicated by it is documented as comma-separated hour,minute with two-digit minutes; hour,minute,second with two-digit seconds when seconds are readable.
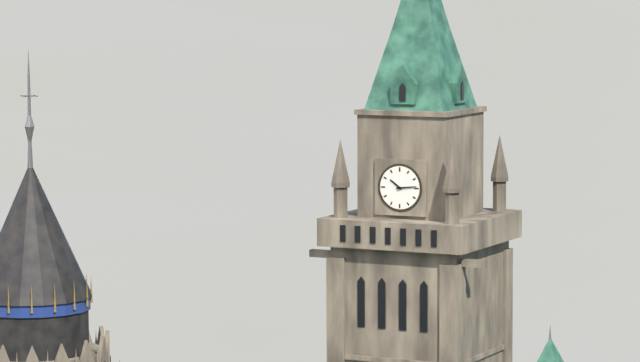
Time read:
10,14
